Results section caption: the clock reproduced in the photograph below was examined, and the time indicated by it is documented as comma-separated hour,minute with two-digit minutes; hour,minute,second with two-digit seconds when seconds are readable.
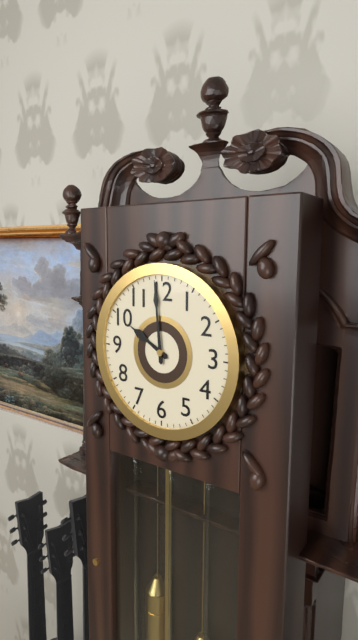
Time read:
9,59
